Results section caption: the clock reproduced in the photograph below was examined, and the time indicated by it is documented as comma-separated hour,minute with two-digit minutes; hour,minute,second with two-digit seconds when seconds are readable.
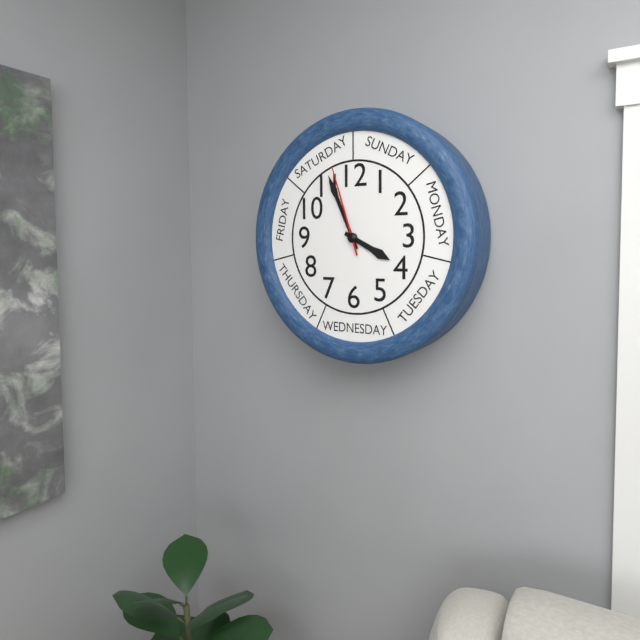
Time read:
3,56,57
